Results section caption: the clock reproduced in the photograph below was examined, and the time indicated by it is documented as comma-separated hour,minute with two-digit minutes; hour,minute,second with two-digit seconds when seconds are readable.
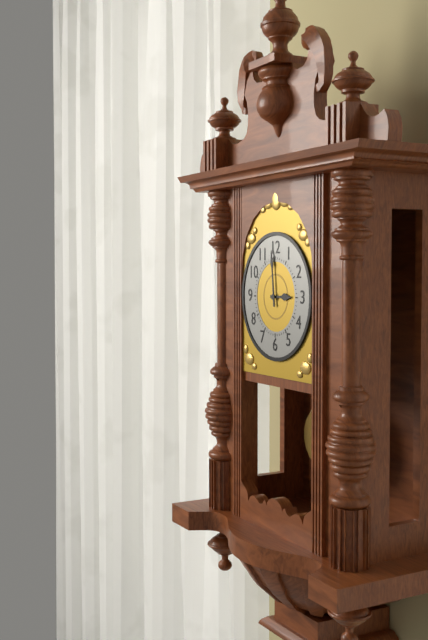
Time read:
2,59
